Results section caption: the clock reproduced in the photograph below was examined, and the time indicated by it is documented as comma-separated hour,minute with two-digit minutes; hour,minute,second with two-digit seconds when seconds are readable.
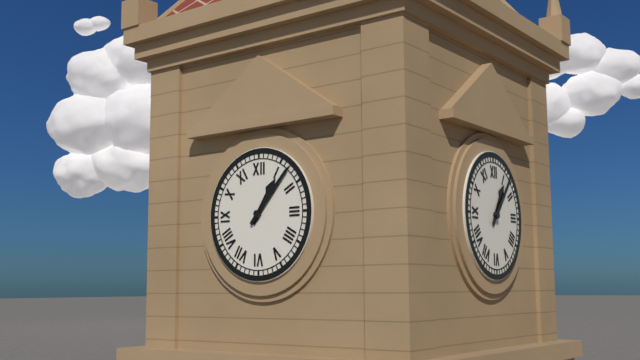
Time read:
1,07
